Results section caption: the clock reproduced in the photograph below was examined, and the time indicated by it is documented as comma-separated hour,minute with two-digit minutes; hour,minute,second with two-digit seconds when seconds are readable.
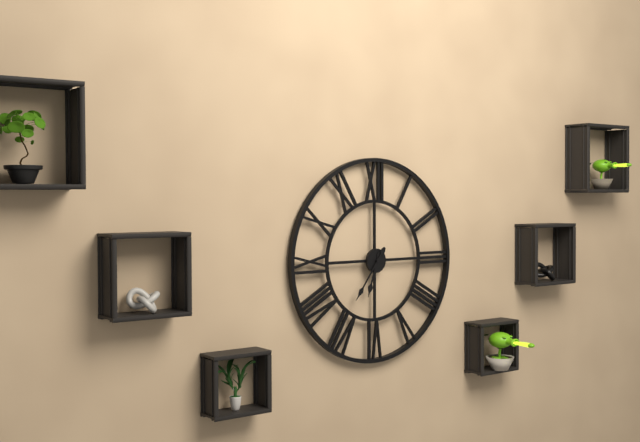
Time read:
6,36
